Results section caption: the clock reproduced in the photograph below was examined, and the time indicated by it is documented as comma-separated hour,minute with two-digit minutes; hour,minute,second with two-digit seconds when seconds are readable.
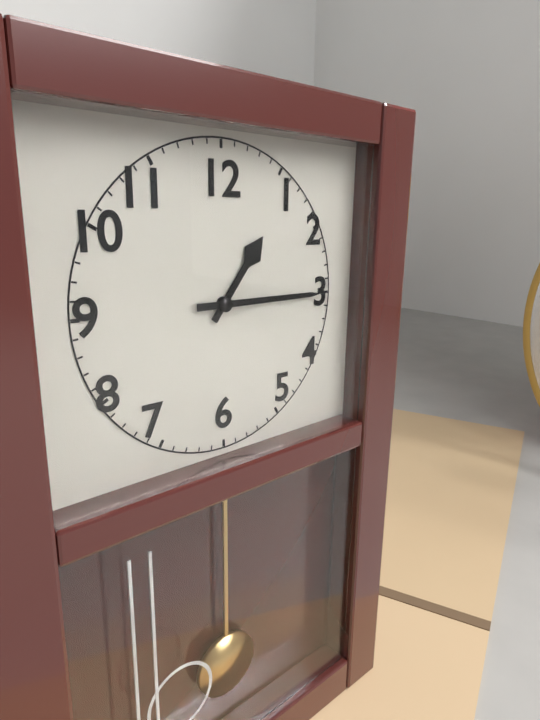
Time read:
1,15
